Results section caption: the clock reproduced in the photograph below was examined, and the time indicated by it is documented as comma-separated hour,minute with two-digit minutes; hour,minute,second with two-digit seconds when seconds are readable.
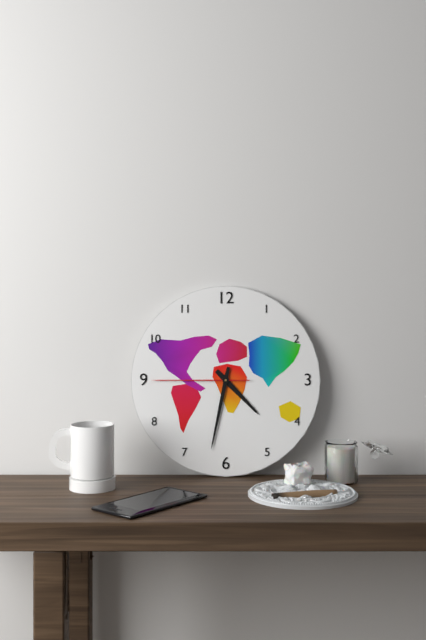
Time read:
4,32,45
